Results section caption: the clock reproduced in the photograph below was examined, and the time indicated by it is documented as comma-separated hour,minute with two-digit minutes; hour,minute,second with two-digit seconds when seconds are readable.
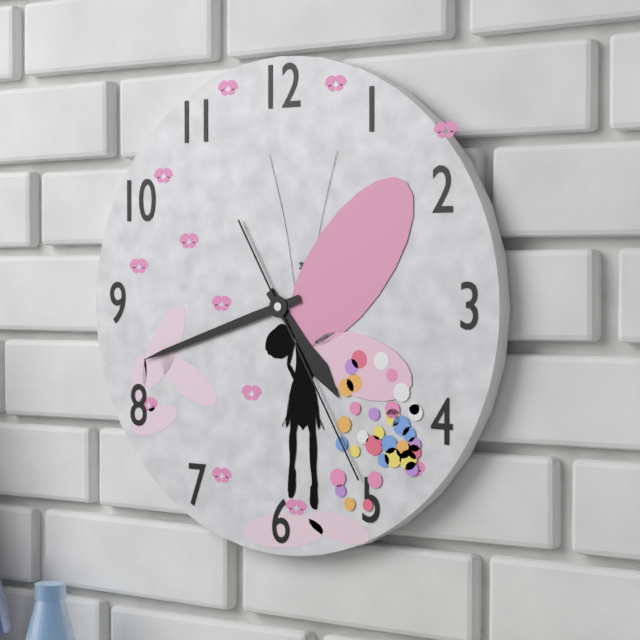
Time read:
4,42,25
